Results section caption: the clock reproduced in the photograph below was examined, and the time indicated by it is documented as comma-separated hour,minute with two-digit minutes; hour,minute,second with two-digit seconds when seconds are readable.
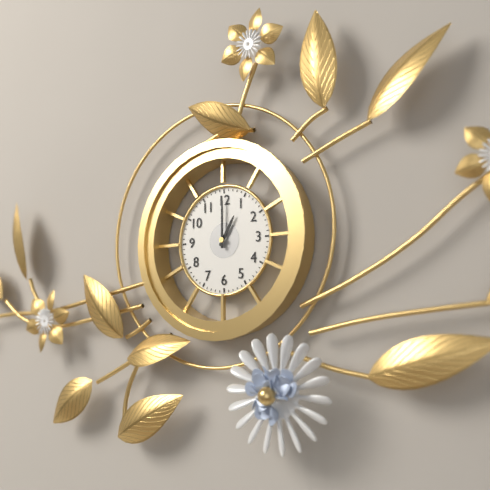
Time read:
1,00
